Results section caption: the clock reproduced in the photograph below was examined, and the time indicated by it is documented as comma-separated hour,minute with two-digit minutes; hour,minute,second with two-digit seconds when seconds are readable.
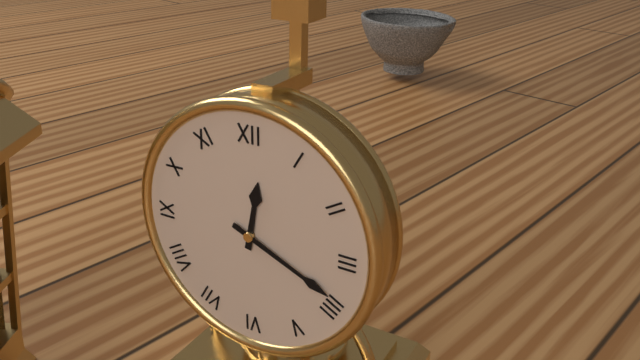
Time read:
12,19
